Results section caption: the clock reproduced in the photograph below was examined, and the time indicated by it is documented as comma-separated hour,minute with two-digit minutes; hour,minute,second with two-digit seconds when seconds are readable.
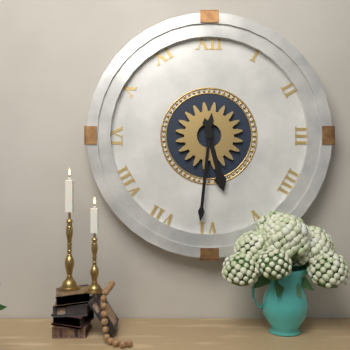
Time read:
5,31
